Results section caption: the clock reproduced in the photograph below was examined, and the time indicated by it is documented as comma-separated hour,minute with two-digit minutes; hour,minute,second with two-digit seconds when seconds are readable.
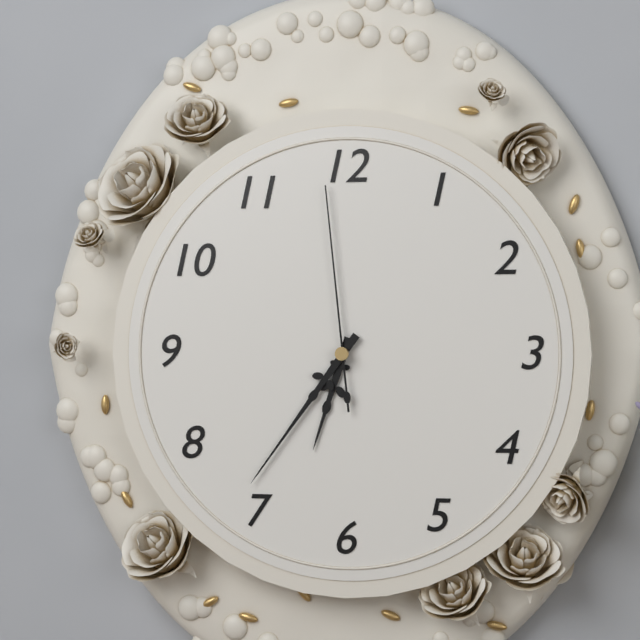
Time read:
6,36,59
